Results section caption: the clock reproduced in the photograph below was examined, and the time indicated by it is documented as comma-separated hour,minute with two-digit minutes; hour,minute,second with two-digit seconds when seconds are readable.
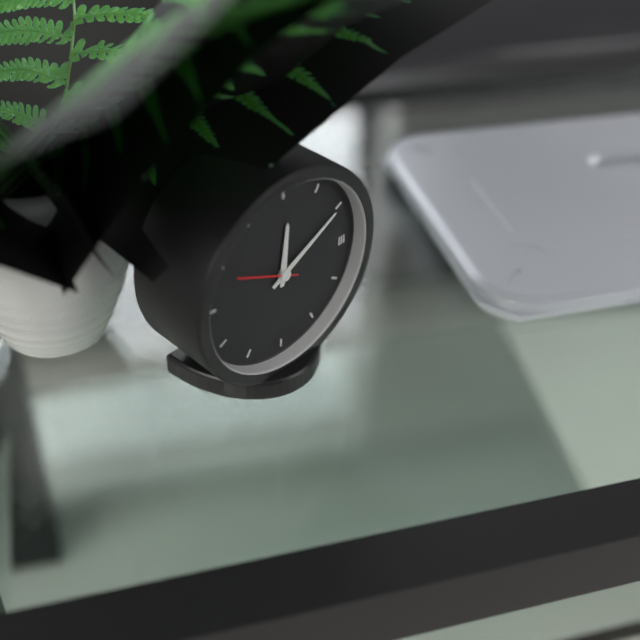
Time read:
12,10
